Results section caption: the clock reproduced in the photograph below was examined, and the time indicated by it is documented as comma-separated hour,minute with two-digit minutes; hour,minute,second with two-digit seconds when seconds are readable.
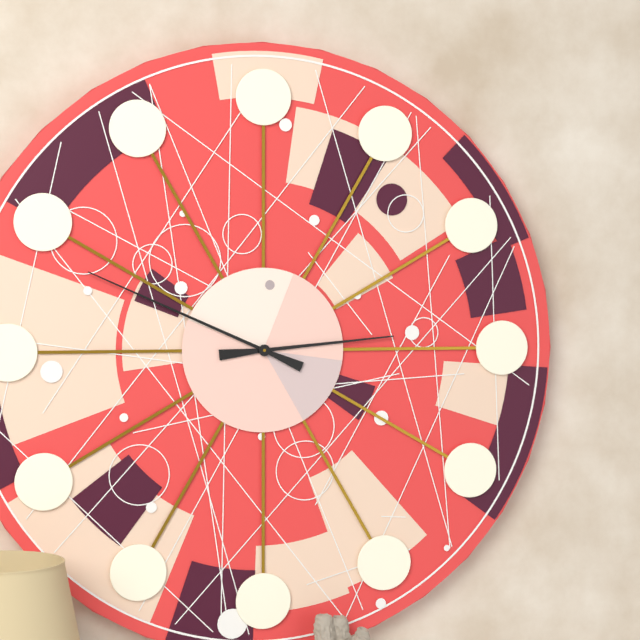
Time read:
2,49
